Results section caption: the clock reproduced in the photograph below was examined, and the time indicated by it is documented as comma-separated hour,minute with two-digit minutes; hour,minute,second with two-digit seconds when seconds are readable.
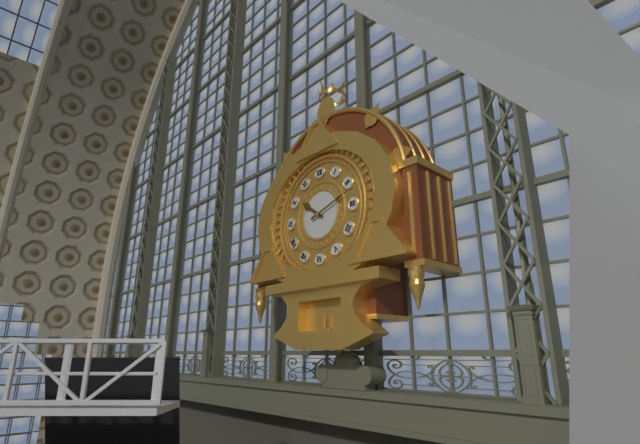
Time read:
10,12
